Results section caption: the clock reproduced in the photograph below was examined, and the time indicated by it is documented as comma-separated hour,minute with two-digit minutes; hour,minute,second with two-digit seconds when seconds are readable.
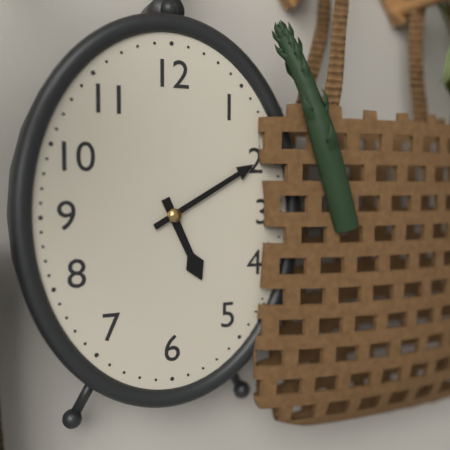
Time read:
5,10
